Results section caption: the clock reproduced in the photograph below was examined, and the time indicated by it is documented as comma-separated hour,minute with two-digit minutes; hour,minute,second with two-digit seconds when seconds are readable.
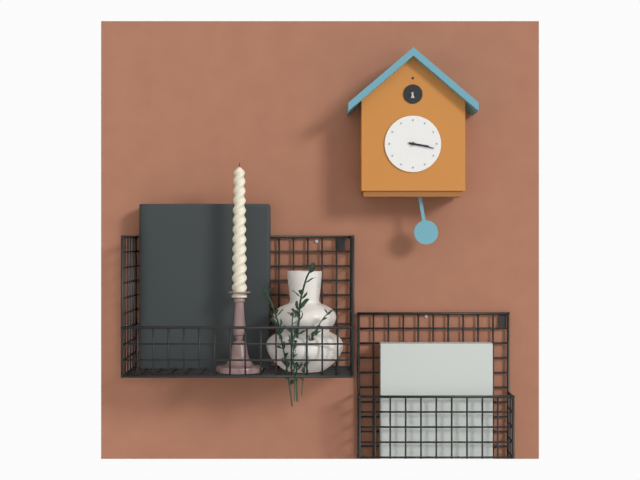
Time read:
3,17
